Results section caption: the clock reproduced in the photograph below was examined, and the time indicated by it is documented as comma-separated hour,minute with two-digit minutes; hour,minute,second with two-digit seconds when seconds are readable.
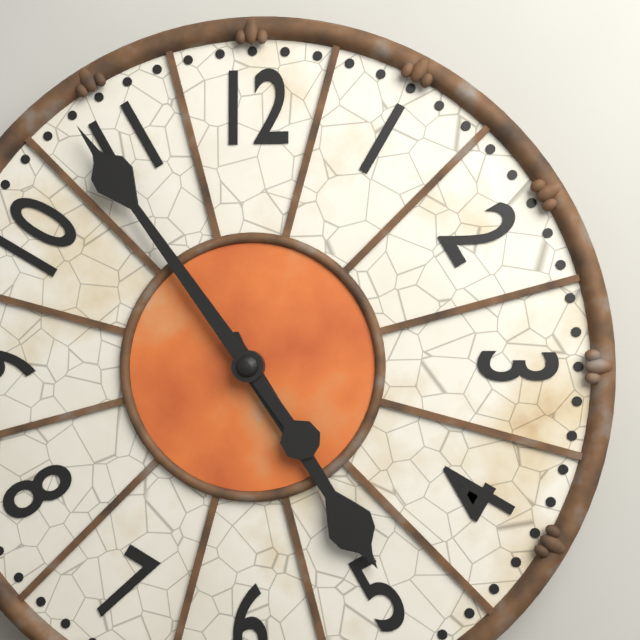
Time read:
4,54
